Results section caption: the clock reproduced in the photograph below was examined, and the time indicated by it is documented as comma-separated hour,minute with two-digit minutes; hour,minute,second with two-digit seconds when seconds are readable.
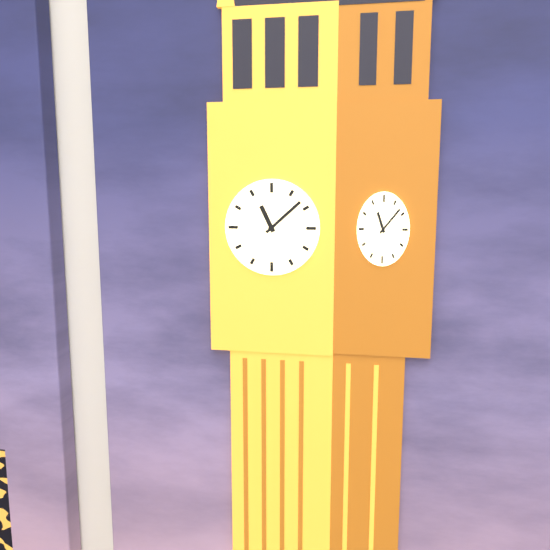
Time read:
11,08
